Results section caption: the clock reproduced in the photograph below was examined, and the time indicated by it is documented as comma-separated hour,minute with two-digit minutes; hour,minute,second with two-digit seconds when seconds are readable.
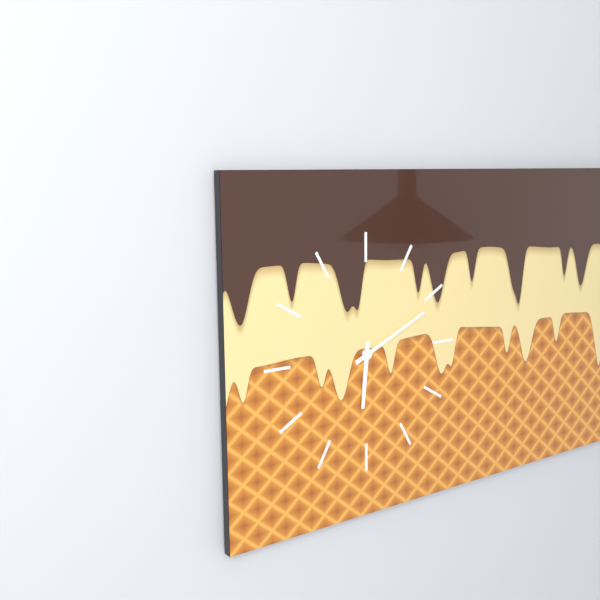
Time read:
6,11
